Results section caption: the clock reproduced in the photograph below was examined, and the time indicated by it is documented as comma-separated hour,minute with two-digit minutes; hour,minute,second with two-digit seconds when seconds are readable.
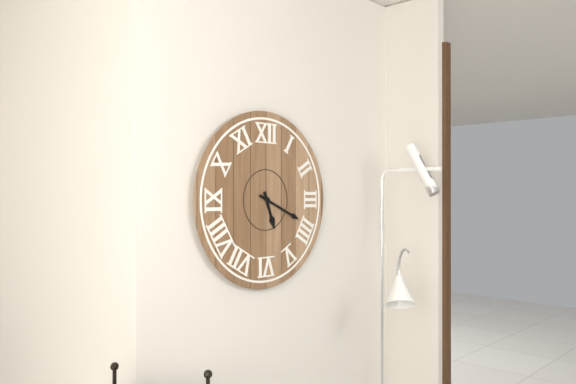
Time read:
5,19
